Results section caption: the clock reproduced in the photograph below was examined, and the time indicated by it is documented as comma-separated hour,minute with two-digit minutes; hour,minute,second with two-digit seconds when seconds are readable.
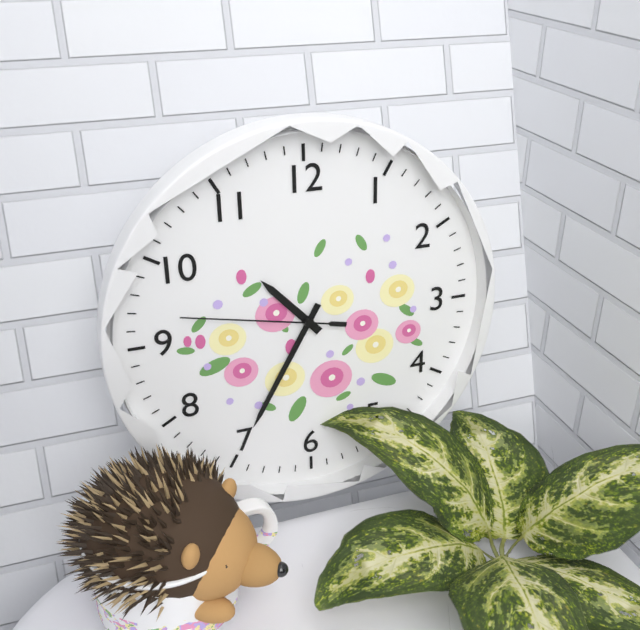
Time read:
10,35,47
